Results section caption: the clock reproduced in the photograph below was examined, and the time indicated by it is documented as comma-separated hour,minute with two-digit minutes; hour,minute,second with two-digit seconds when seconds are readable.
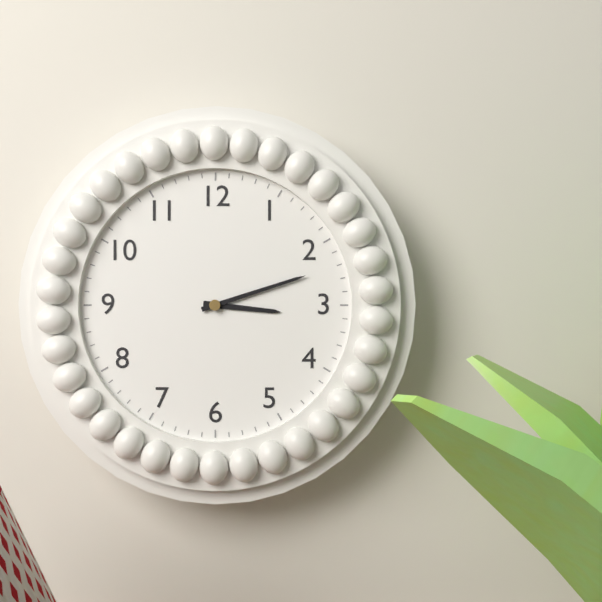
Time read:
3,12
